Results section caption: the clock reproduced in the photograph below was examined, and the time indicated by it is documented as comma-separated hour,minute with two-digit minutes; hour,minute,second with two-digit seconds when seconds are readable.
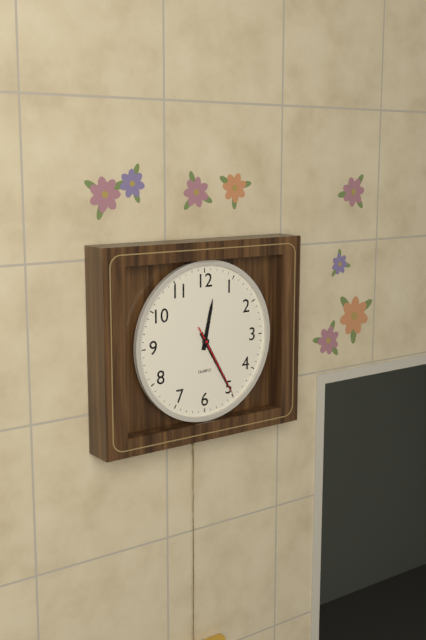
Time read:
12,25,25
